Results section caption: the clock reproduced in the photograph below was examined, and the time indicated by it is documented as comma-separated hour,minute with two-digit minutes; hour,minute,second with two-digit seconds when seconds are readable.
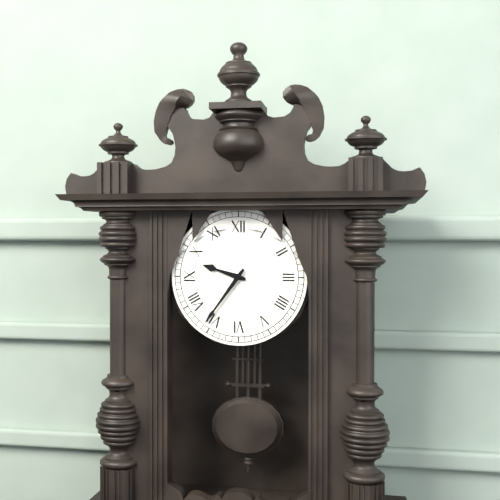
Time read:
9,36
